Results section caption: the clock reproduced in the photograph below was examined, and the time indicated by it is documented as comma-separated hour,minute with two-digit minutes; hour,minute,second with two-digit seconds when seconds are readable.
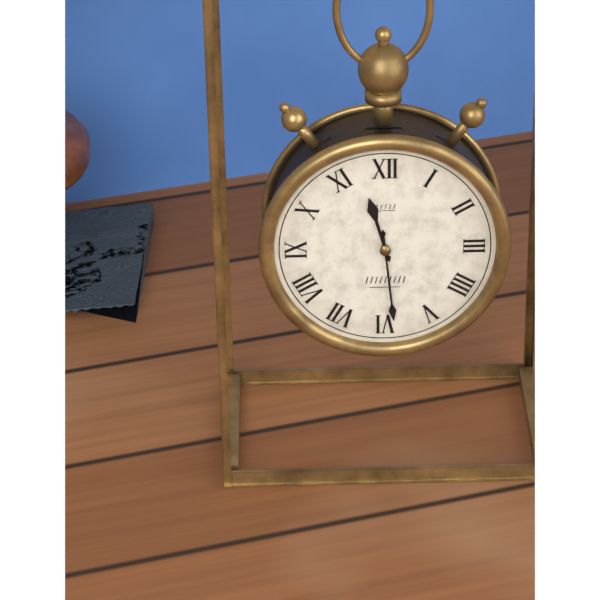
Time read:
11,29
